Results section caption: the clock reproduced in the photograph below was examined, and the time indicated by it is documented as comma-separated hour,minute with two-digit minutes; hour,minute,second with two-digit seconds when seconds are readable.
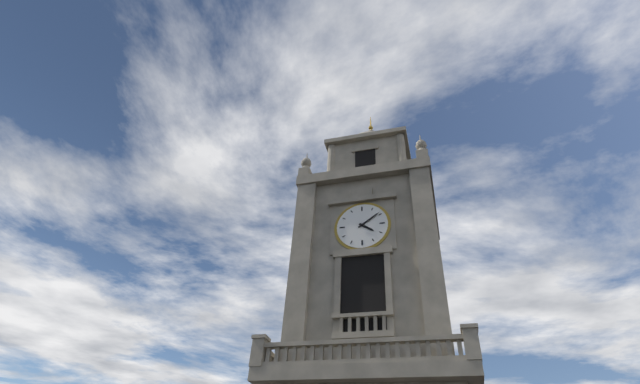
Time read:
4,09
